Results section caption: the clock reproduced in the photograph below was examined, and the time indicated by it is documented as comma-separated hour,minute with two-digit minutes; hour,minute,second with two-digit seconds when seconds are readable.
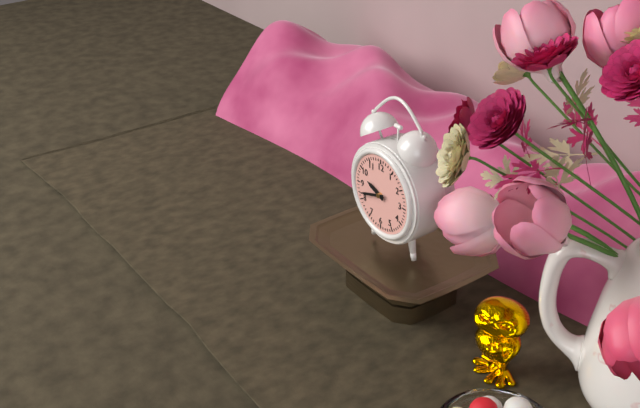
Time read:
9,42
